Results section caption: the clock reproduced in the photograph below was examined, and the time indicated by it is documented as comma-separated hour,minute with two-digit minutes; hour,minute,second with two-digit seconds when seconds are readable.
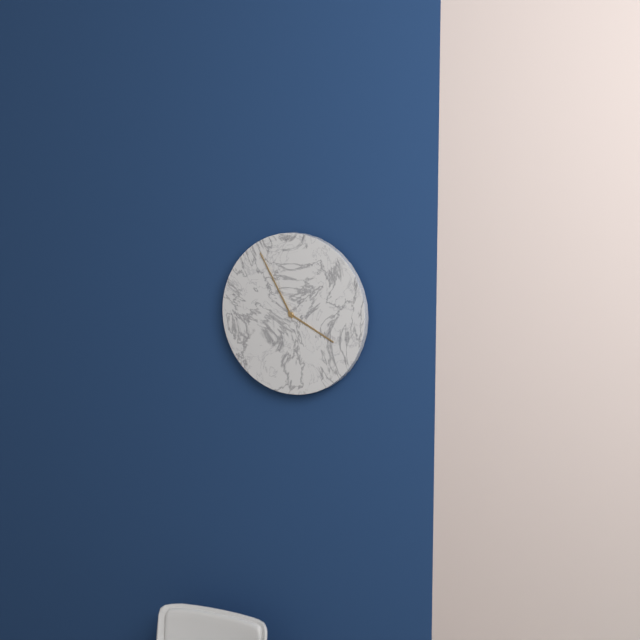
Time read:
3,55
